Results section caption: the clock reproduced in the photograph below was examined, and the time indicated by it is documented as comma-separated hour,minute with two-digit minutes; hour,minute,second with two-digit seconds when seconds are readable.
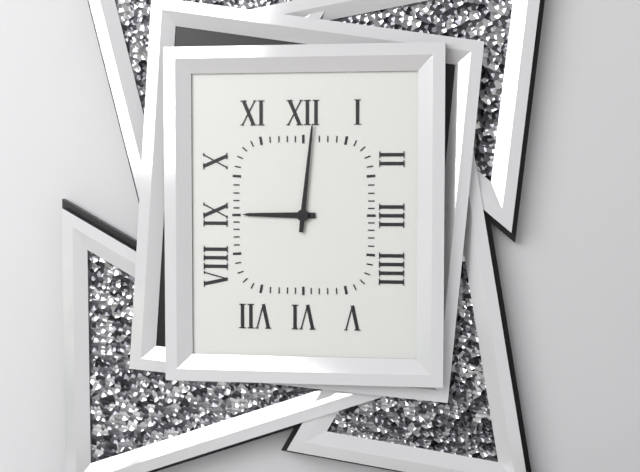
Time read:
9,01
